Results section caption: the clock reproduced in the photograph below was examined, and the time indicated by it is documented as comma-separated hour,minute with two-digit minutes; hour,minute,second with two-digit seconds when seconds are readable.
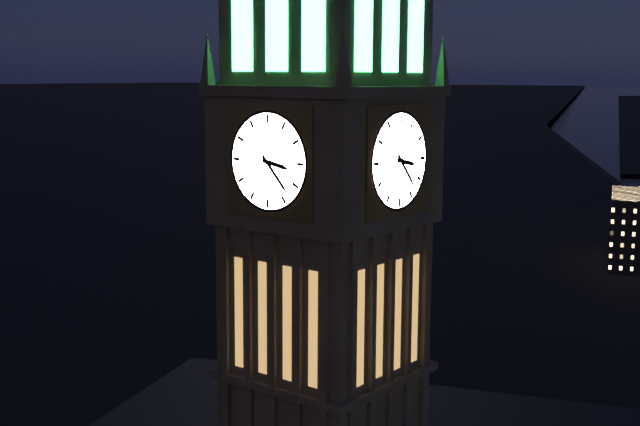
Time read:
3,23
